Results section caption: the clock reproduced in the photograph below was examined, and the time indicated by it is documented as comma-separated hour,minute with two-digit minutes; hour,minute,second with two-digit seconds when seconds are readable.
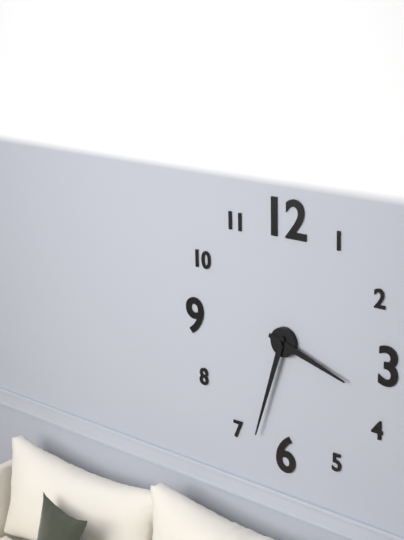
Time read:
3,33
